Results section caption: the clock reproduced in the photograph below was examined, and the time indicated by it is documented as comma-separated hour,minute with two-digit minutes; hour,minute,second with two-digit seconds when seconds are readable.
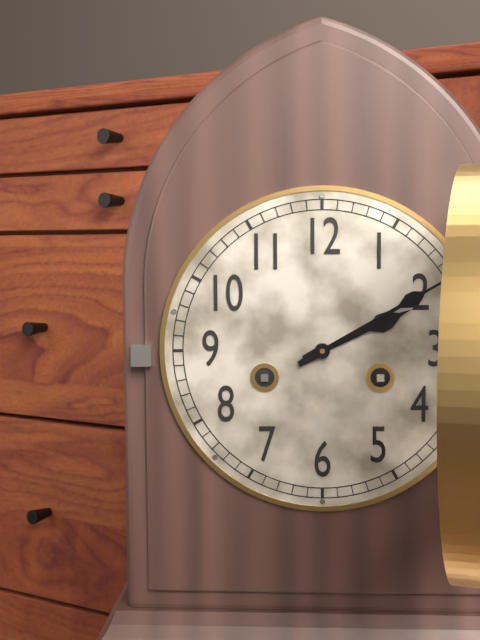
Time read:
2,10
